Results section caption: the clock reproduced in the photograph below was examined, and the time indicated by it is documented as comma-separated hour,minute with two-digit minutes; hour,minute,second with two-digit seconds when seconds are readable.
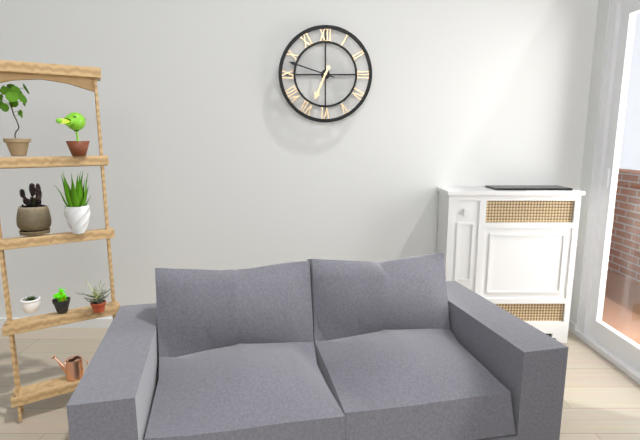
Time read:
6,48
